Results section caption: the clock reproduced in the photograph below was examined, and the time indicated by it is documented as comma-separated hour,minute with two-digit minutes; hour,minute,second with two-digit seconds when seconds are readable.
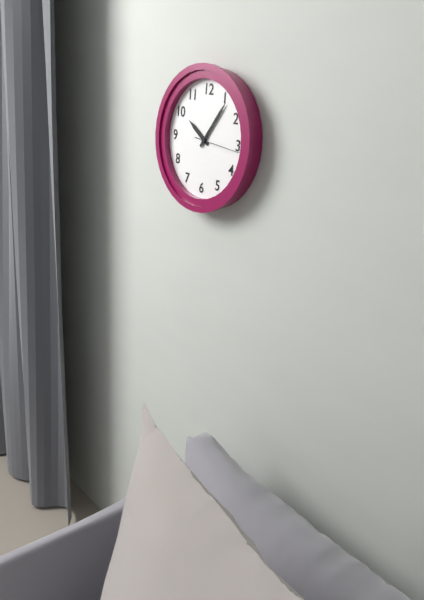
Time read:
10,06
